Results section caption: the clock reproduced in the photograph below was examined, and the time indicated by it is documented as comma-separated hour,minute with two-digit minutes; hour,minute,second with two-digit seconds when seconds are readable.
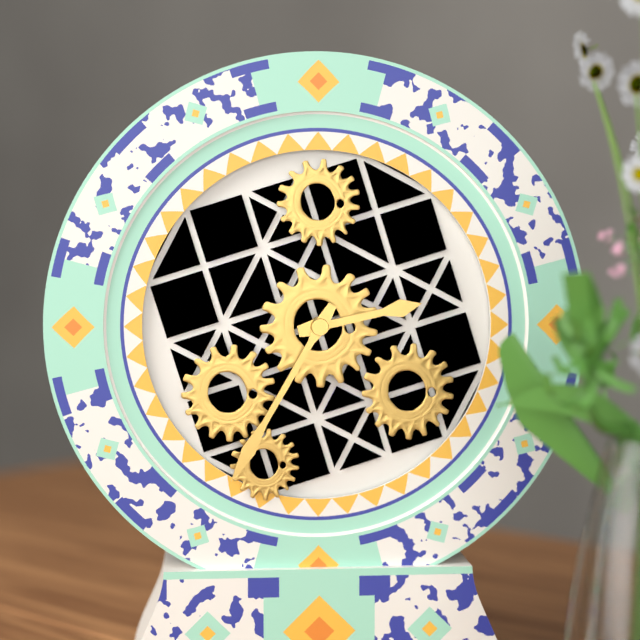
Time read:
2,35
